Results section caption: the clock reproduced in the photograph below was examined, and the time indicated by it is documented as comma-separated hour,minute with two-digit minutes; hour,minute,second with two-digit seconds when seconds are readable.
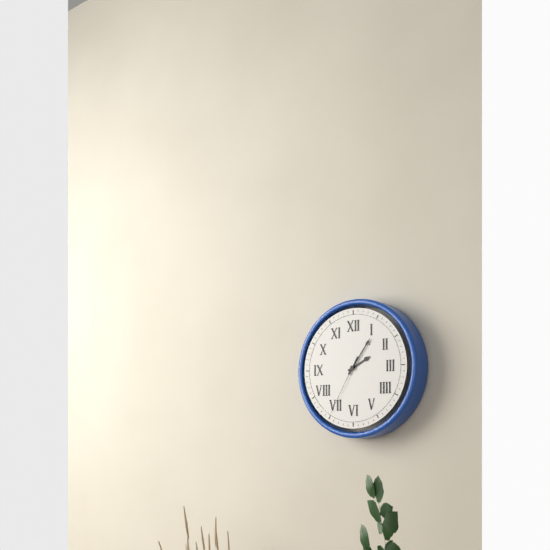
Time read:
2,06,35
